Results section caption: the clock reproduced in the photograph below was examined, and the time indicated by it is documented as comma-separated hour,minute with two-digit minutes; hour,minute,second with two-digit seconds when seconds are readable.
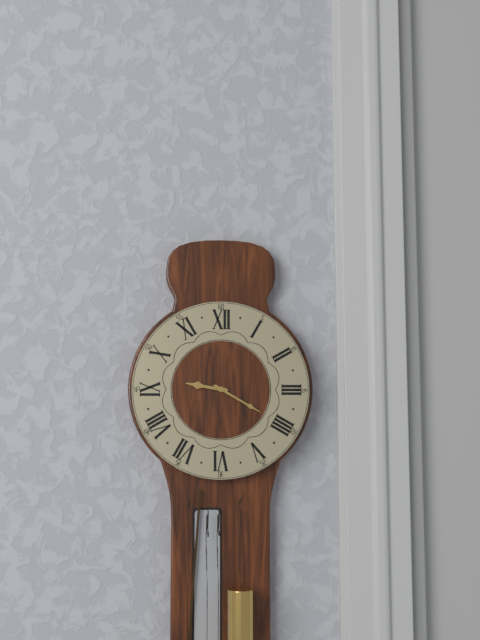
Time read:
9,20
